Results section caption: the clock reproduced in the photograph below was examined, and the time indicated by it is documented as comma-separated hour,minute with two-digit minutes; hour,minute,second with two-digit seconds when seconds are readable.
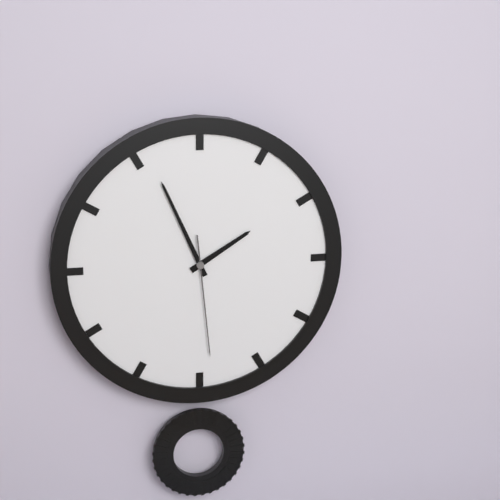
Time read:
1,56,29
